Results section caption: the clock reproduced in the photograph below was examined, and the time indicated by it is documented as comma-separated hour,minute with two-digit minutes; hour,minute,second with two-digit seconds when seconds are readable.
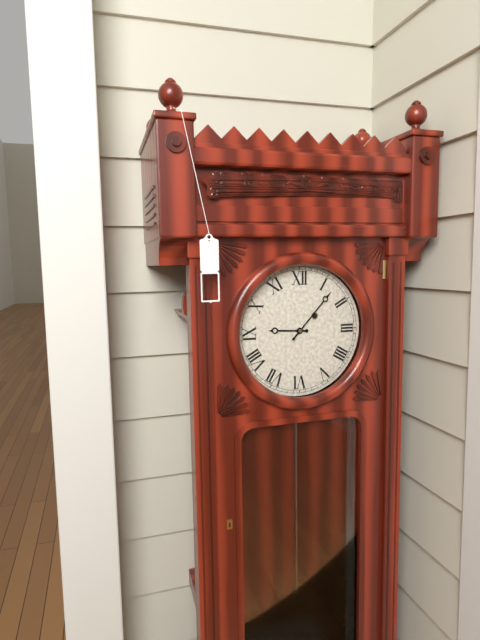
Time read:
9,07
